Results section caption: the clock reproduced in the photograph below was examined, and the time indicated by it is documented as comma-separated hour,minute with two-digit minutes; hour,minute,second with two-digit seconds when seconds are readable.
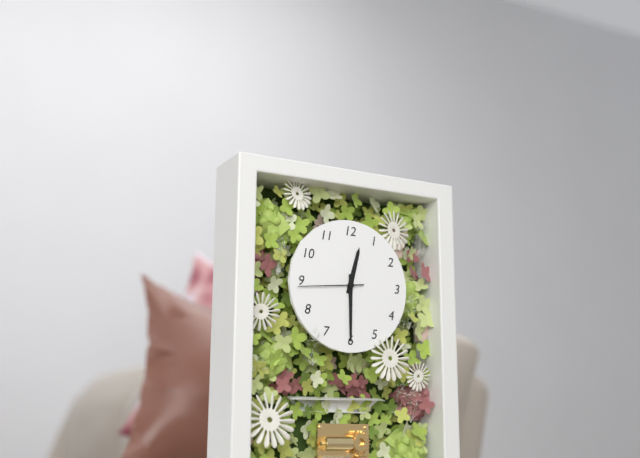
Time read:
12,30,44
